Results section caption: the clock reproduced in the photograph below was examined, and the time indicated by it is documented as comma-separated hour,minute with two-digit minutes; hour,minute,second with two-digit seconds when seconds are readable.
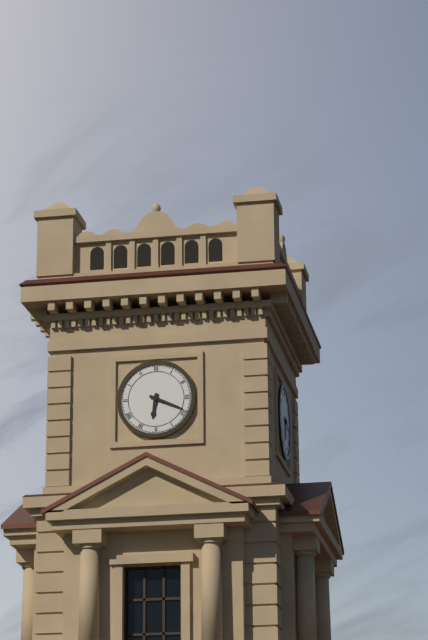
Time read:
6,19
